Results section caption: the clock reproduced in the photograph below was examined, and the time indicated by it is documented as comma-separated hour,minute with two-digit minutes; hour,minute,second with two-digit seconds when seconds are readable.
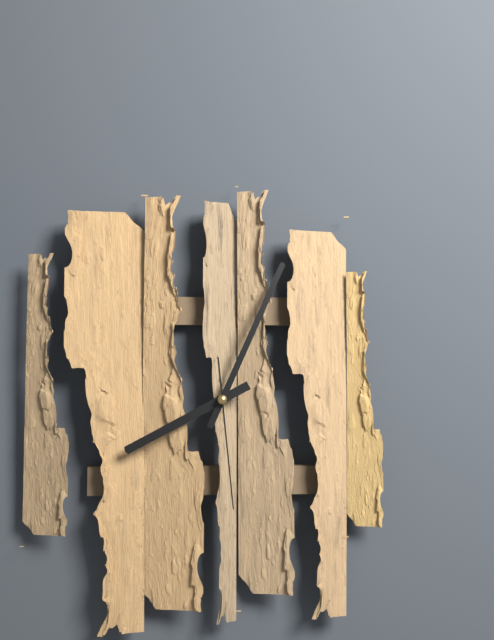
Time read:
8,04,29
